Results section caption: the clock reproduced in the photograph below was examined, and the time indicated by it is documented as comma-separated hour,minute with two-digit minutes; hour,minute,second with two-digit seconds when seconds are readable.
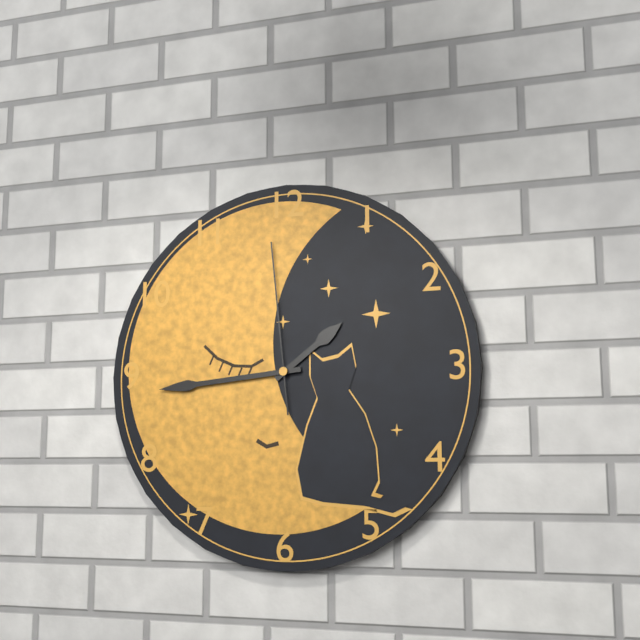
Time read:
1,44,59
